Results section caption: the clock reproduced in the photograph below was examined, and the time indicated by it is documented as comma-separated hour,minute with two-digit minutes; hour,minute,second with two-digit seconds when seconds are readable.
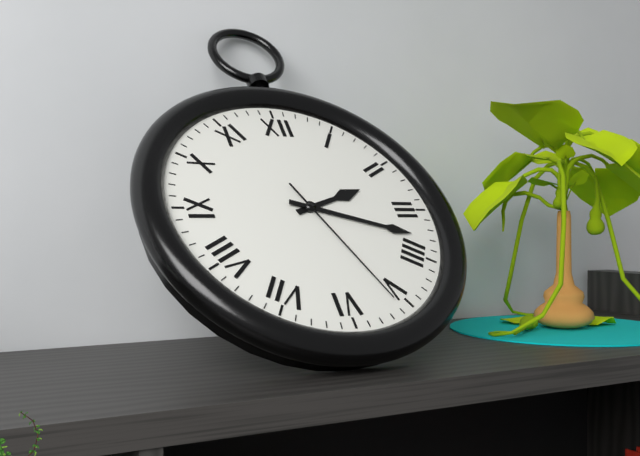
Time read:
2,18,26
